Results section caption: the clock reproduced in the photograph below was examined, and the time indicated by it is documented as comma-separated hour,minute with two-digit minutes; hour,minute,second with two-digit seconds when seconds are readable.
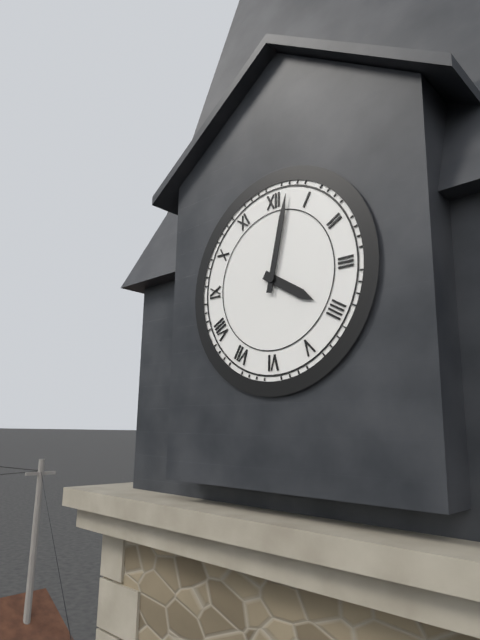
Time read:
4,02
